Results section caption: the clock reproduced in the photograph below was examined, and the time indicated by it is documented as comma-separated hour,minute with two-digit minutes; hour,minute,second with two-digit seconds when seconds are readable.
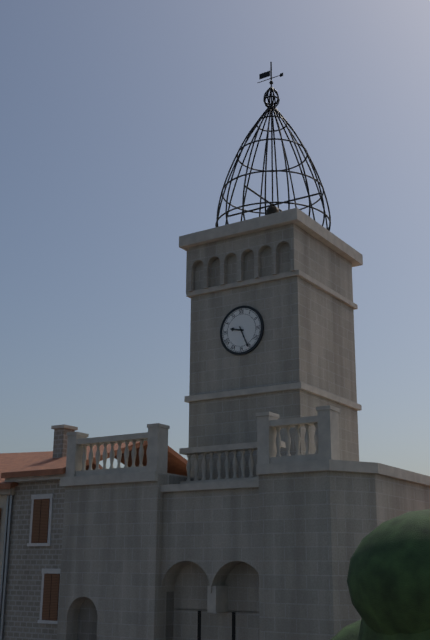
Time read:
9,26
